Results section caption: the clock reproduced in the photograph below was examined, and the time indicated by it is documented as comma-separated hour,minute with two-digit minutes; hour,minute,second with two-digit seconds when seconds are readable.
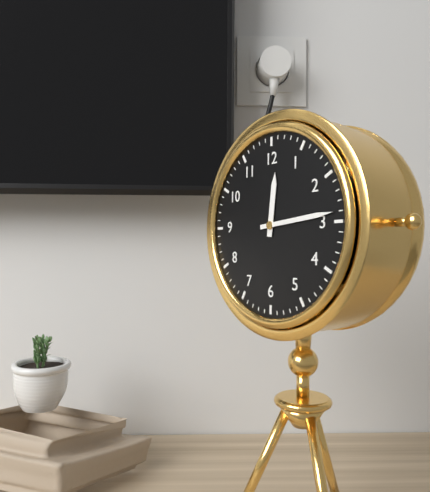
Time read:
12,14
